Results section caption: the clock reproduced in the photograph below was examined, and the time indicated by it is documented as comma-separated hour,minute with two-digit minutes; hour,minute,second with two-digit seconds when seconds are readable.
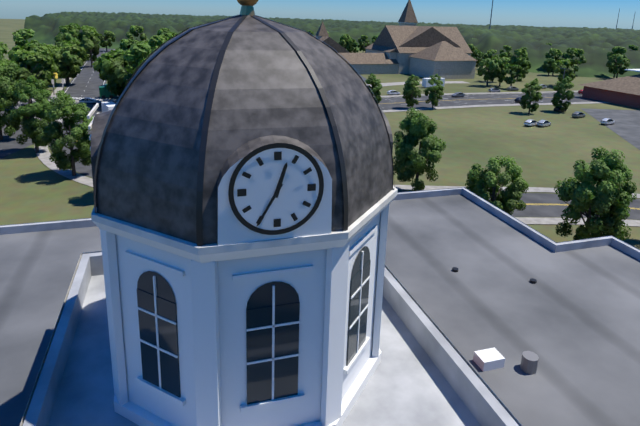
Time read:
12,35
